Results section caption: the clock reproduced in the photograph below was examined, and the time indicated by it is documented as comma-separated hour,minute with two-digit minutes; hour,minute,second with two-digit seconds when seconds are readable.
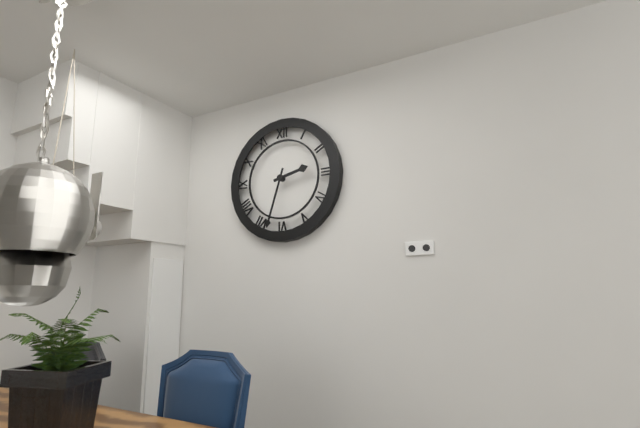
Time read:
2,33
